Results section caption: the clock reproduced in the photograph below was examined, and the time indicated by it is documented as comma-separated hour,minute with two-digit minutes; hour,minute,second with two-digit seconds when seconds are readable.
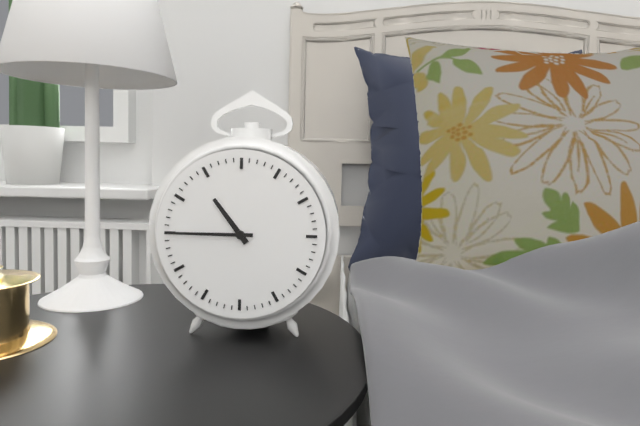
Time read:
10,45
